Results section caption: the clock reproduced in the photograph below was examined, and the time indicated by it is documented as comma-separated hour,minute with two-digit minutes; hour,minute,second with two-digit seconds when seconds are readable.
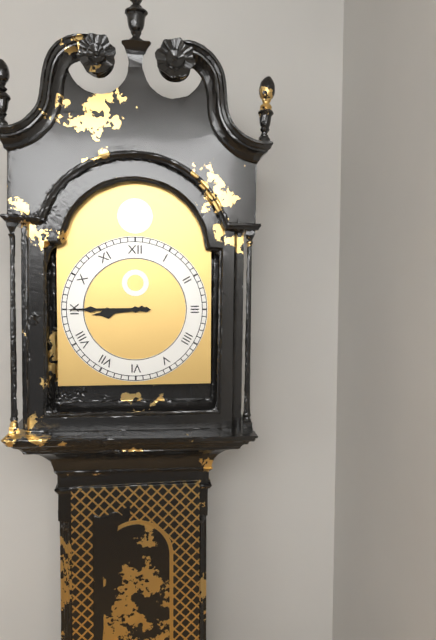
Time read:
8,45
